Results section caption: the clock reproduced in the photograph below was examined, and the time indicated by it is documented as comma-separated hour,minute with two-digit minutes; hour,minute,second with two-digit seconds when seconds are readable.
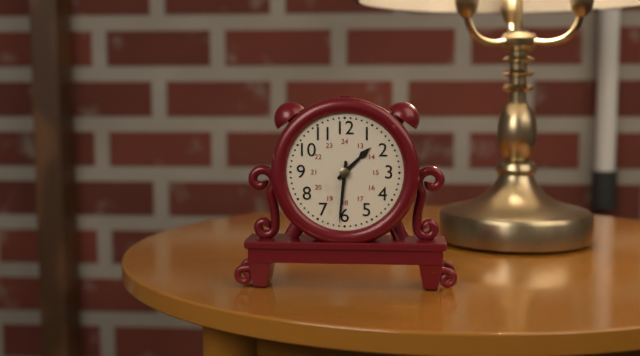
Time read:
1,31
